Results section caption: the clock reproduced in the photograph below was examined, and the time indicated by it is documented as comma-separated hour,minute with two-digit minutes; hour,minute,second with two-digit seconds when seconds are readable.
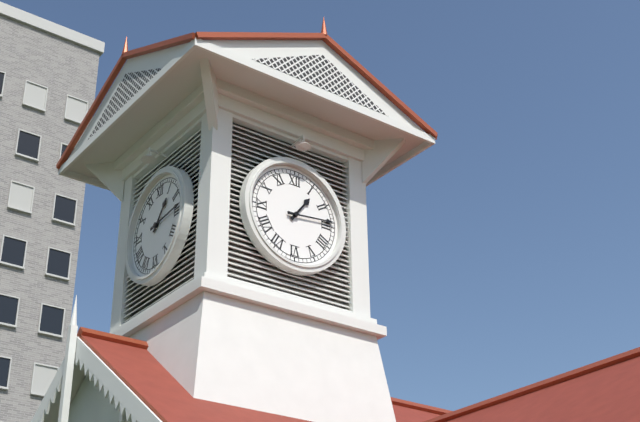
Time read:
1,14
